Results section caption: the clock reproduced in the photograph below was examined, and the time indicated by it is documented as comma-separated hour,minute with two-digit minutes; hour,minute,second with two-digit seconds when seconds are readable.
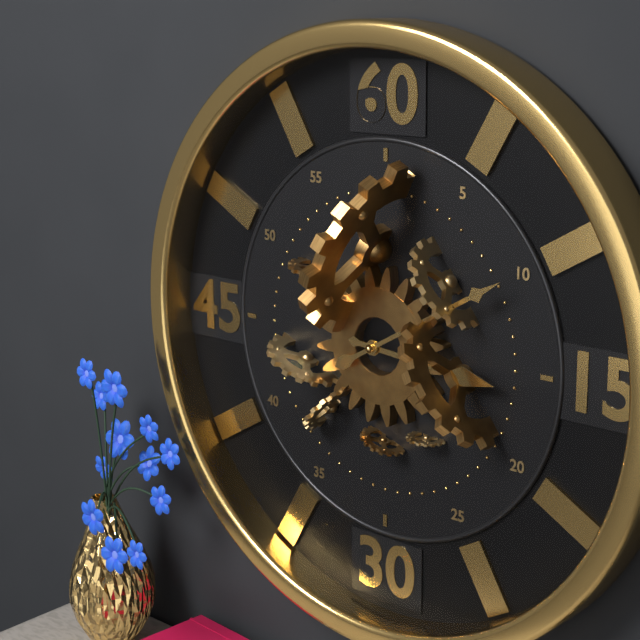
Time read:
3,10
